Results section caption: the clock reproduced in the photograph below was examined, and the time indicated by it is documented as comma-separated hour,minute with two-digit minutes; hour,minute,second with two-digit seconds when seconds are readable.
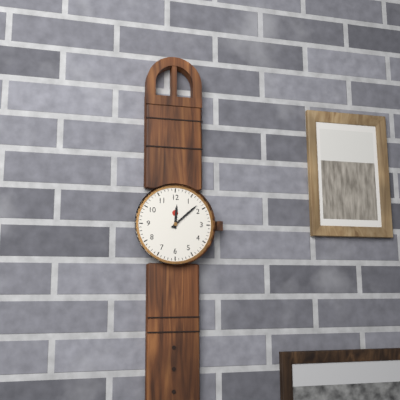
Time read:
12,08
